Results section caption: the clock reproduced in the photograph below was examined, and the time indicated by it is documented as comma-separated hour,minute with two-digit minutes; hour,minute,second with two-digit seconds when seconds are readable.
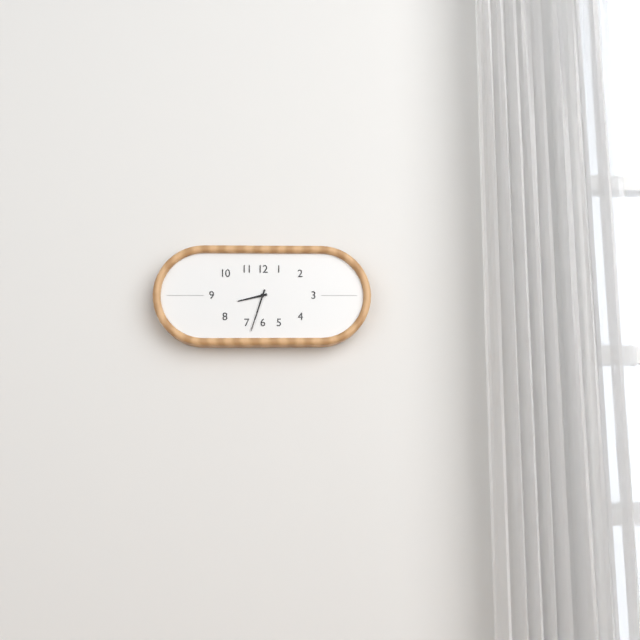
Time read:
8,33
